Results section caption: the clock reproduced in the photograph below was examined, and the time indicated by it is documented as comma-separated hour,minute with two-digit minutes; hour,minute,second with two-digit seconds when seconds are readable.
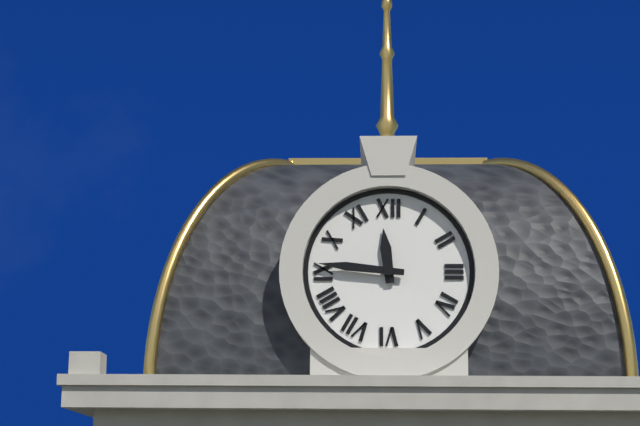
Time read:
11,46
